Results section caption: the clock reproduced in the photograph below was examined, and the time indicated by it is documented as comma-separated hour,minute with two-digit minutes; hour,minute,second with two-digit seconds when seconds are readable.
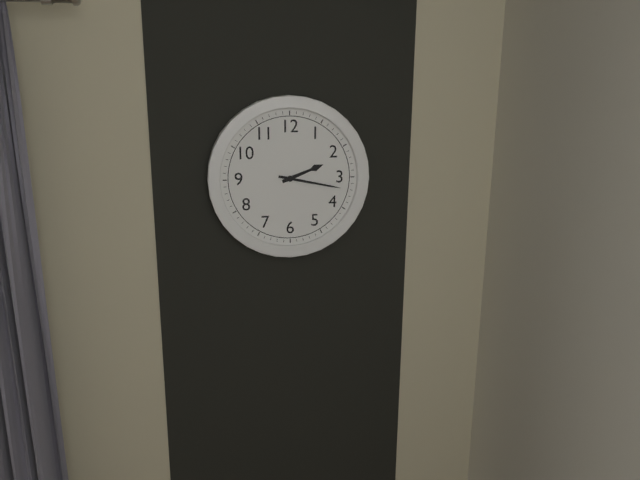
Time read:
2,17
